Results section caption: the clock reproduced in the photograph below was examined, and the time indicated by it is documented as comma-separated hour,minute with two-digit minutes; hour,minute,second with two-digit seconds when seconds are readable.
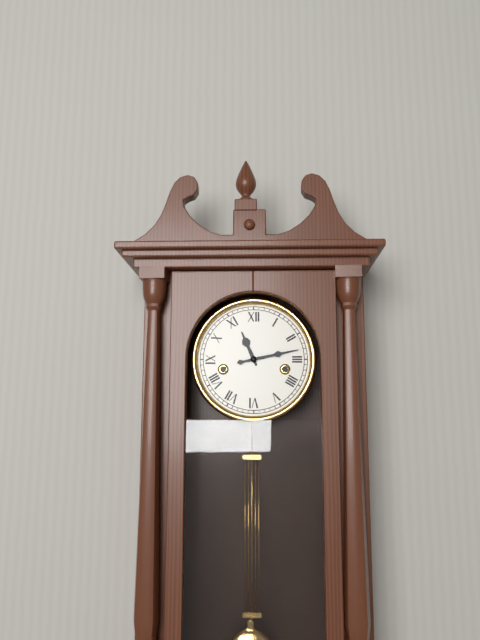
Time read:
11,13
